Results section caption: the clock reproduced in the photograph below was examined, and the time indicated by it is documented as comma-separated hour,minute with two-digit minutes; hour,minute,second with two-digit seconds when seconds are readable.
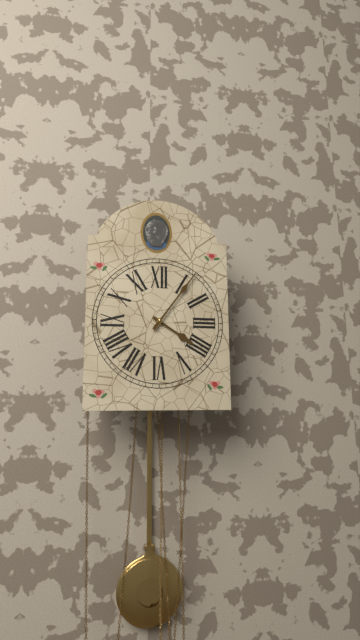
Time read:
4,06
